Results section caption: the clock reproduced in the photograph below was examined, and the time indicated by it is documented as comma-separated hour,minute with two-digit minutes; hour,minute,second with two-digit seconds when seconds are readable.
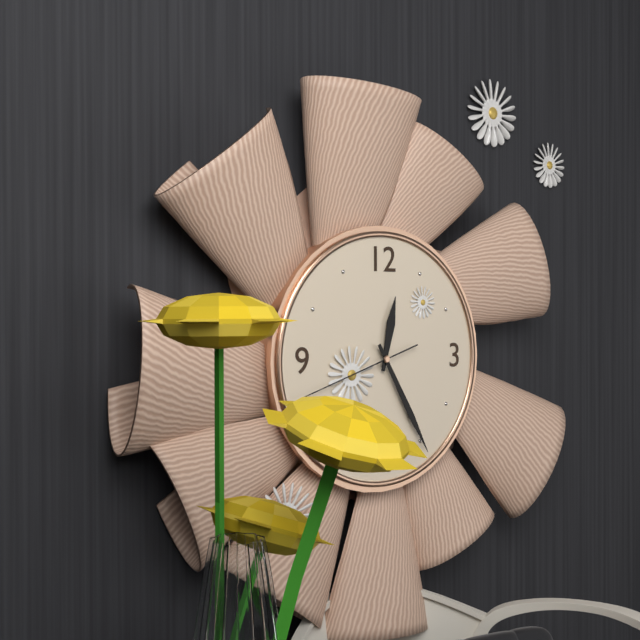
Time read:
12,25,42
